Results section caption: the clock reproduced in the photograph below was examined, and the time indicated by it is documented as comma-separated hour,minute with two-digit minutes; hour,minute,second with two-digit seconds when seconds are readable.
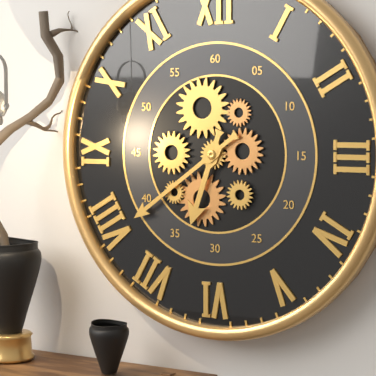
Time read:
6,39
